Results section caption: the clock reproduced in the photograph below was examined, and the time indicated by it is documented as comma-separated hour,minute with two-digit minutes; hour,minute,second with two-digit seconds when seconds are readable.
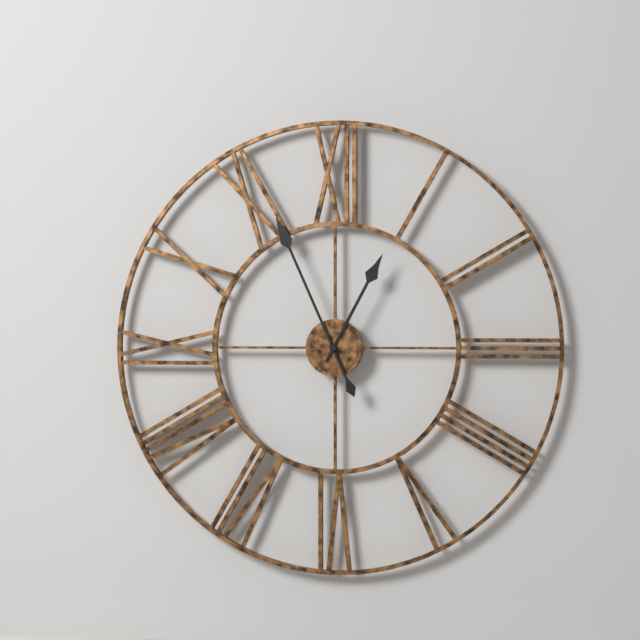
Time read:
12,56
